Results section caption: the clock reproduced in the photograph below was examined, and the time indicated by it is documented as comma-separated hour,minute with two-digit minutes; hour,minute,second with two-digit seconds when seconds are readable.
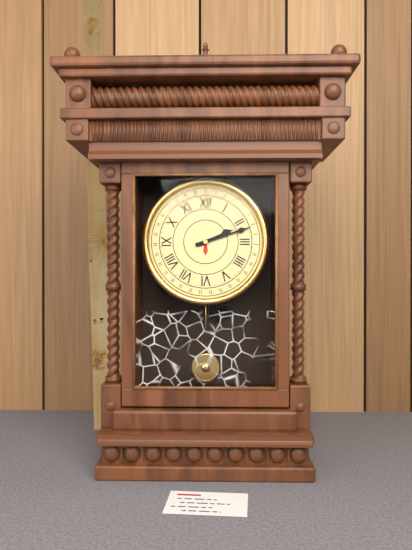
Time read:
2,12
